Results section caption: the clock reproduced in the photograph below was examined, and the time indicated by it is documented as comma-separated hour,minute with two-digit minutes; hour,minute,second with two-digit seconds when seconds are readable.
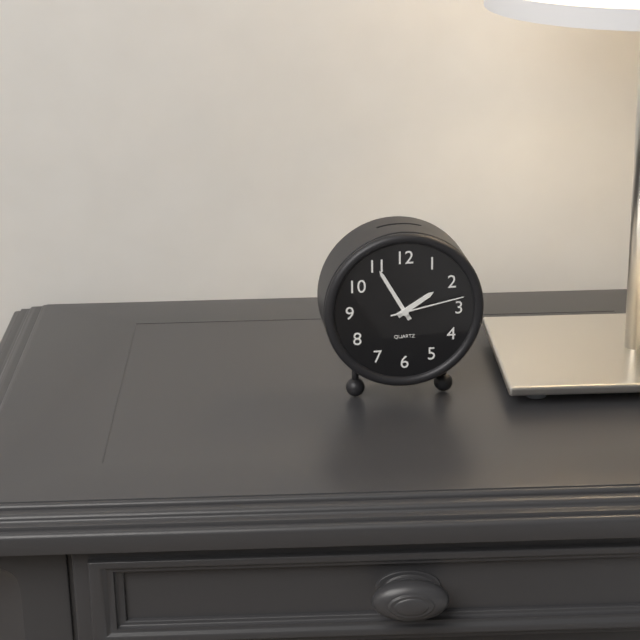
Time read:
1,55,13
